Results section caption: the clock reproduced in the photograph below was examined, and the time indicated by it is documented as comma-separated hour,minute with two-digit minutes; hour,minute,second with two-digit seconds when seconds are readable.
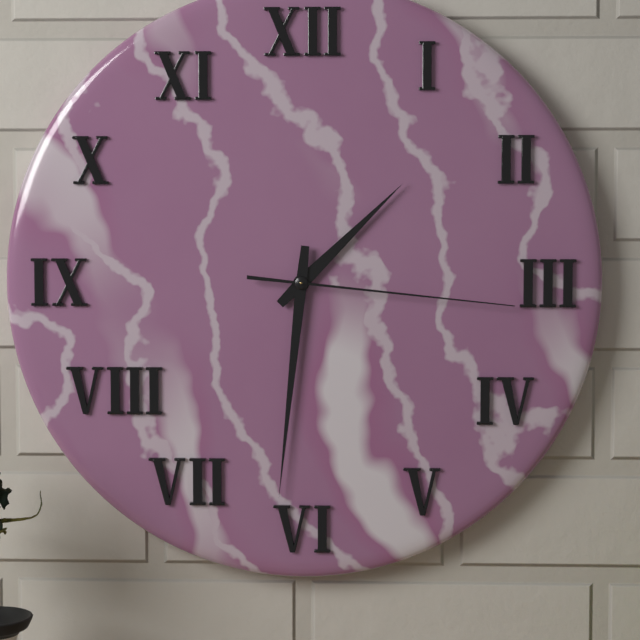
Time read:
1,31,16
